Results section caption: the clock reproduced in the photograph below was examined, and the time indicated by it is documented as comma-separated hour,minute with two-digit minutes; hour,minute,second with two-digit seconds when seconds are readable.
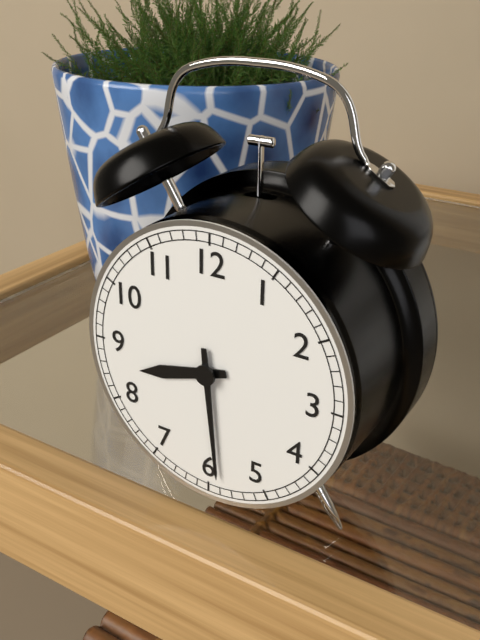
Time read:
8,29
